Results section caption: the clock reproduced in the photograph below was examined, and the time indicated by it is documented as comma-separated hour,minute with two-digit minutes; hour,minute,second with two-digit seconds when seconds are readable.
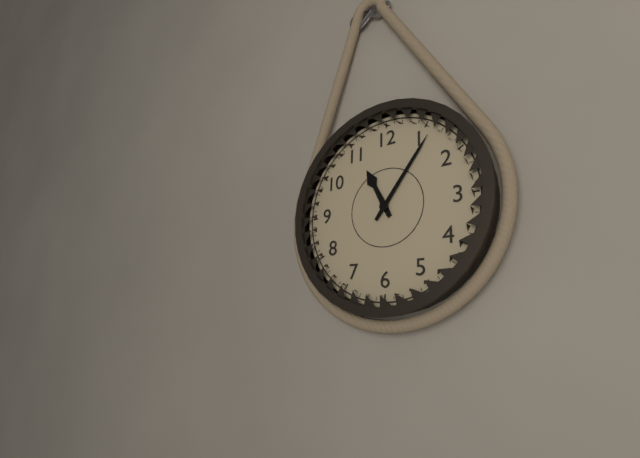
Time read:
11,06
